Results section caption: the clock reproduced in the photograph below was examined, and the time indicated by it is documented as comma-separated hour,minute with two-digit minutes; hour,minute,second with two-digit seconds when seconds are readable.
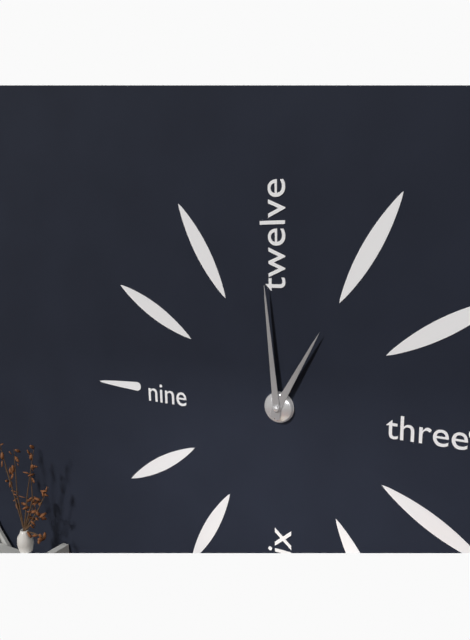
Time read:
12,59
